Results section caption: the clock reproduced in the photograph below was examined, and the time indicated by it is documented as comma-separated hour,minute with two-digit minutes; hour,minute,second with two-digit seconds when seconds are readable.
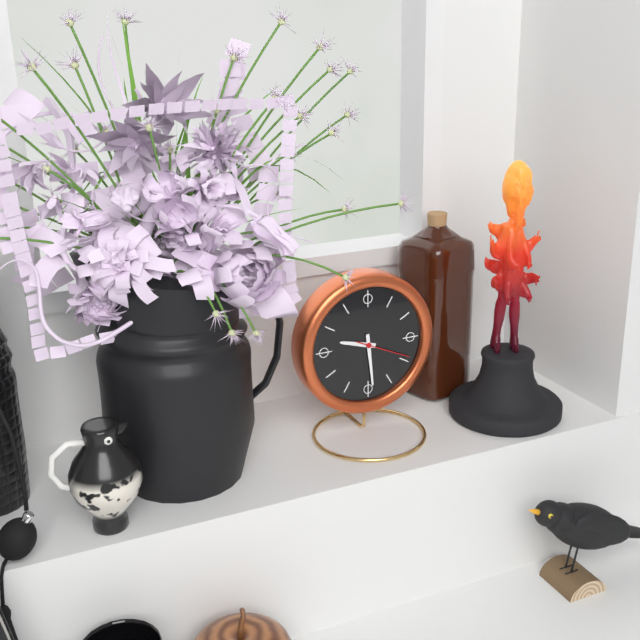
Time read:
9,29,19
